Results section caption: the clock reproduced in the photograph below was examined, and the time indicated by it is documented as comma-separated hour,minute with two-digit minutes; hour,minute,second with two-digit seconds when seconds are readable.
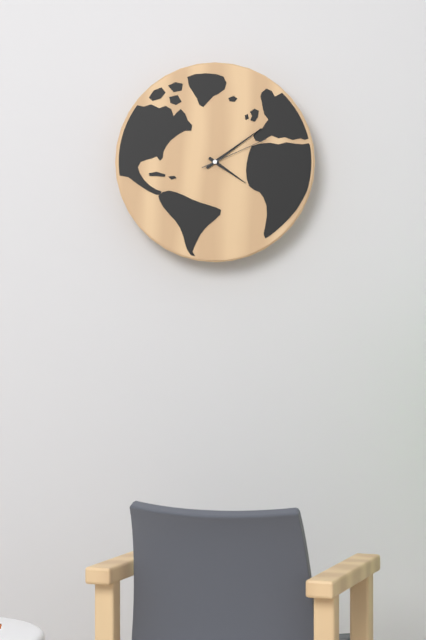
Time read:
4,09,11
